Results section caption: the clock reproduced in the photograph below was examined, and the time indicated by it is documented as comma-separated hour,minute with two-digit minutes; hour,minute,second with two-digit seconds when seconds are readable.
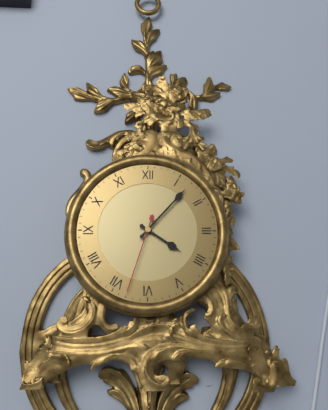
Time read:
4,07,33
